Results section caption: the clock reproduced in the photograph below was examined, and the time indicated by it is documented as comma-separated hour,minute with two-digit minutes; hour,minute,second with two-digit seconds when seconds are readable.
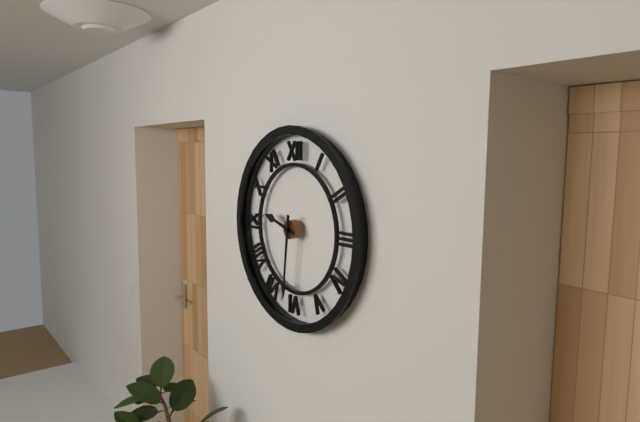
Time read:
9,31
